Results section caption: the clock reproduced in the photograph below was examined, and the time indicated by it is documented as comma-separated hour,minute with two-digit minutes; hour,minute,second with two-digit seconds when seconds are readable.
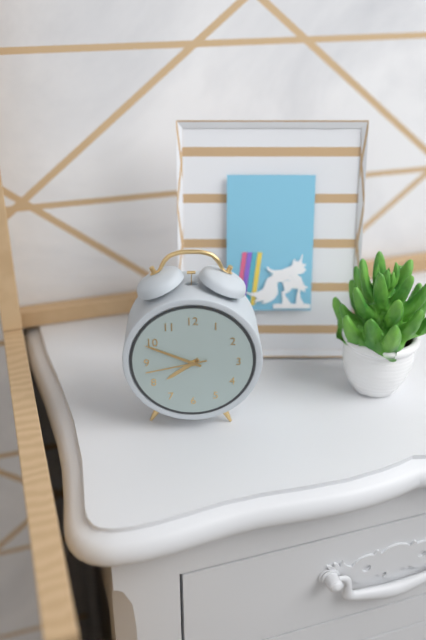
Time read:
7,49,43
